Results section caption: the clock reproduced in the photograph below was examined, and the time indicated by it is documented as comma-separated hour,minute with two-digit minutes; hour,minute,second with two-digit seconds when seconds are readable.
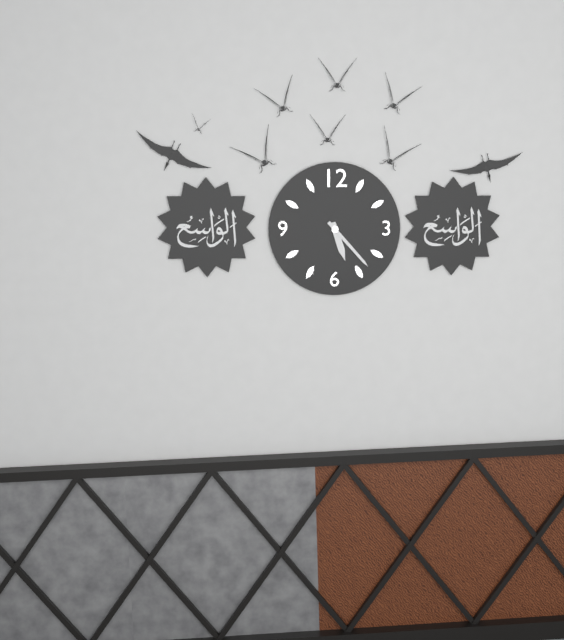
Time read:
5,23
